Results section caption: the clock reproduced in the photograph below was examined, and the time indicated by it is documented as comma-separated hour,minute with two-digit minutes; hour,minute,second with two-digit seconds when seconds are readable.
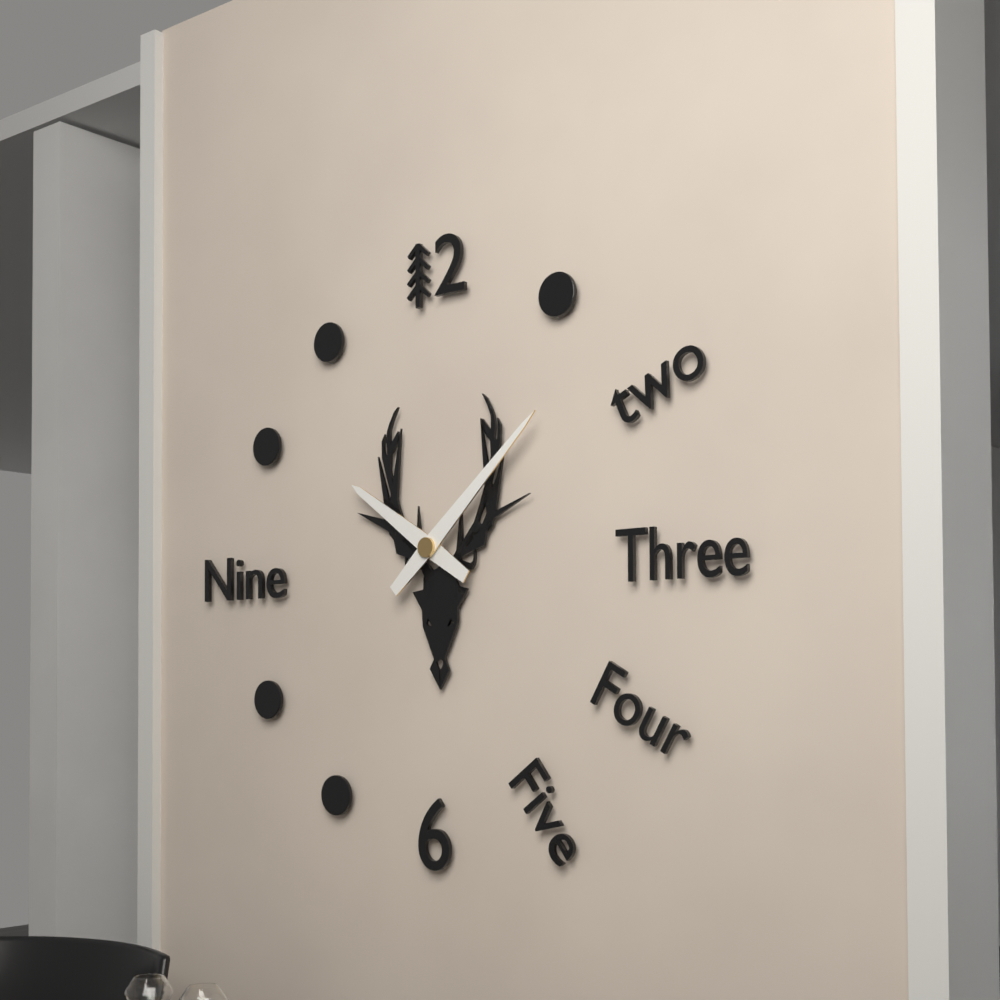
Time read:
10,08
